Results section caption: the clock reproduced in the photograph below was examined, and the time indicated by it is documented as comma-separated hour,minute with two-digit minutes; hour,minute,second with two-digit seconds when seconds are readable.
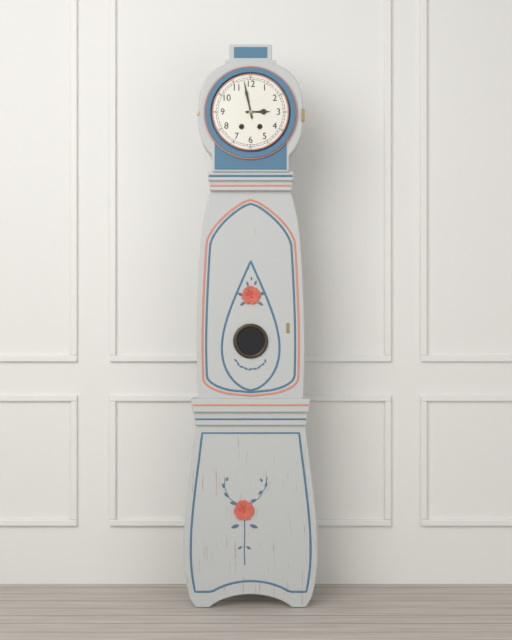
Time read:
2,58
